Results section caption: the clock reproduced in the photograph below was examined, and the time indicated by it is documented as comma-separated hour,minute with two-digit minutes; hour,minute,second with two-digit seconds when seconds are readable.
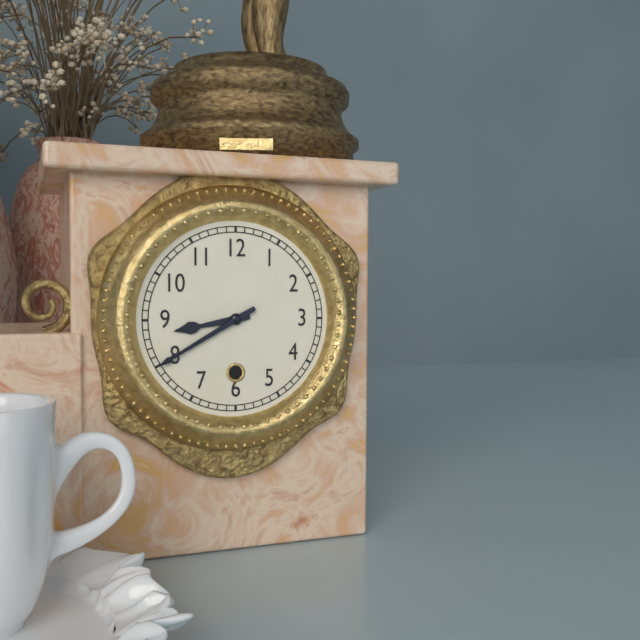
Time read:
8,40
